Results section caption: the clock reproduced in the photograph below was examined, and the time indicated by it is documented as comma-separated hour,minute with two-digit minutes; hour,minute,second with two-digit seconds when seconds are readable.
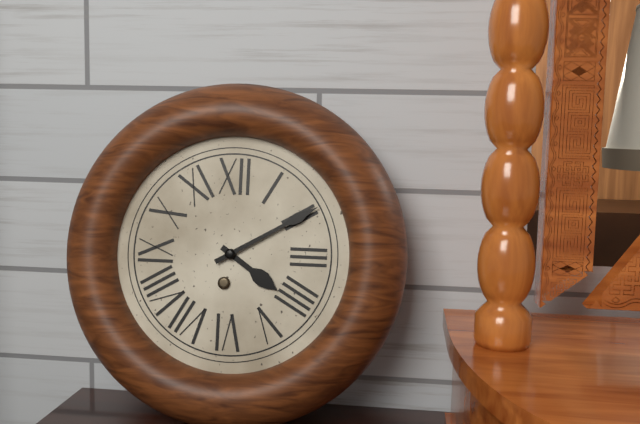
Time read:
4,10
